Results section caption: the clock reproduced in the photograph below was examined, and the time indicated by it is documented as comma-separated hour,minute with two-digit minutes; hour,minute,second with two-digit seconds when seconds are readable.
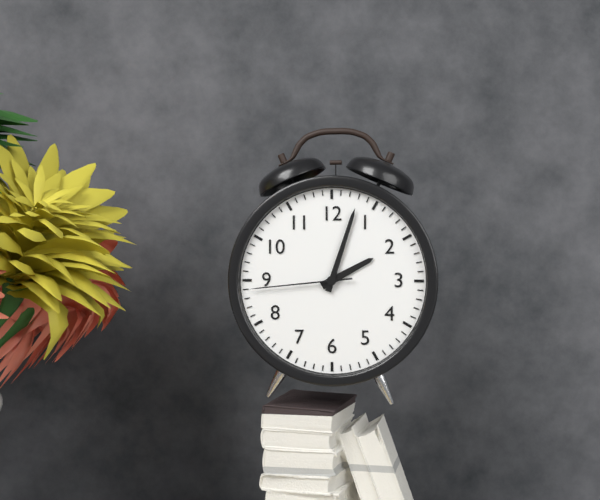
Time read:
2,03,44
